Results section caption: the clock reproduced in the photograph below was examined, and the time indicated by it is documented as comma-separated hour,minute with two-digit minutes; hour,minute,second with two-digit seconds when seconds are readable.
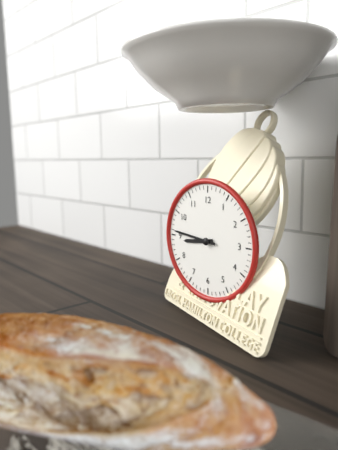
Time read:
8,46
